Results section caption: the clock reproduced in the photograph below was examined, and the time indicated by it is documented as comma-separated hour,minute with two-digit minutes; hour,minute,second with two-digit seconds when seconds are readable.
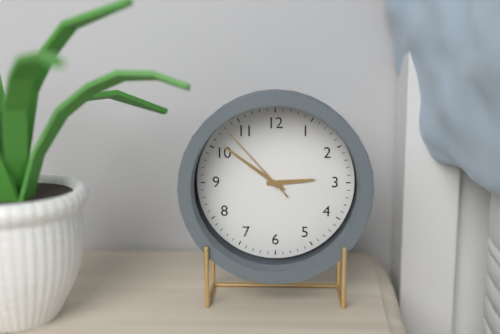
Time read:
2,51,53
